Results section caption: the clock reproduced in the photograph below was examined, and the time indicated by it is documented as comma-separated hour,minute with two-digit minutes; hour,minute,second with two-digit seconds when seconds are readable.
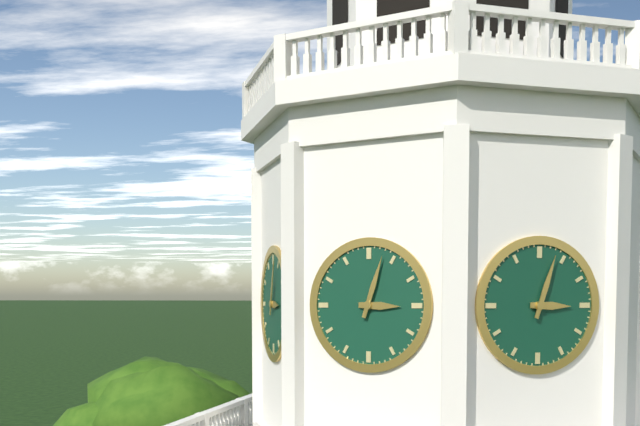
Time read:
3,03
